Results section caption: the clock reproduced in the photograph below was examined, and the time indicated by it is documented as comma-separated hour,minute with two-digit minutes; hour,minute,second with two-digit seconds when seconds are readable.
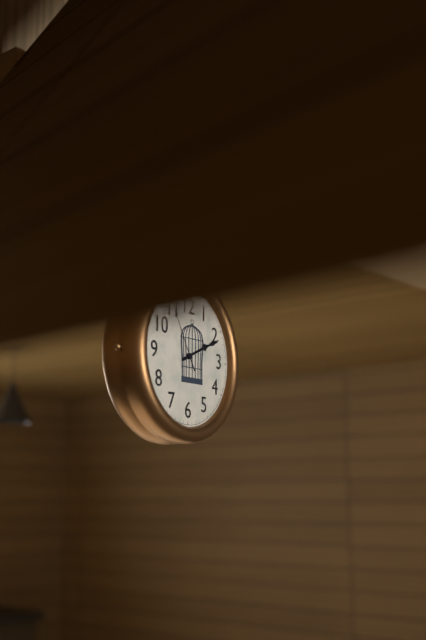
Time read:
2,11
